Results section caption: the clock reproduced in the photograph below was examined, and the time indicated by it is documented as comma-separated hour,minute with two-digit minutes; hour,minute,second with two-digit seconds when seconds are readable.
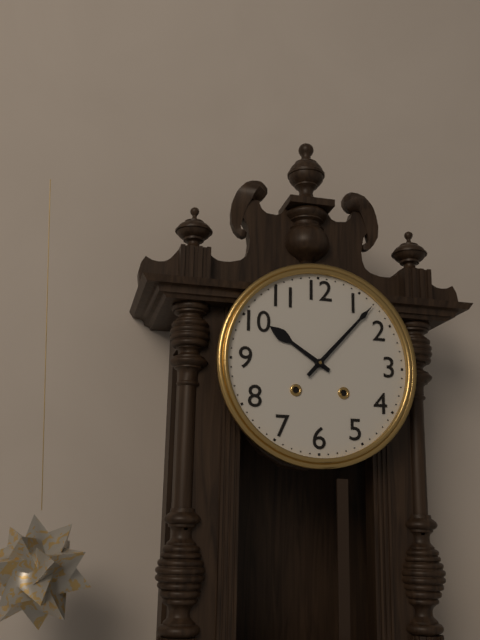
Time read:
10,07
